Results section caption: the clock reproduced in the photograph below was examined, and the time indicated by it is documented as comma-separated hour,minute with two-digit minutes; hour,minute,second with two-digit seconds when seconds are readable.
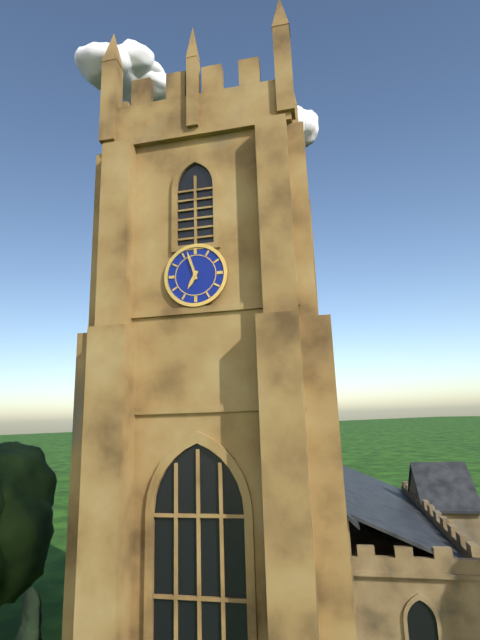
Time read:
6,57
